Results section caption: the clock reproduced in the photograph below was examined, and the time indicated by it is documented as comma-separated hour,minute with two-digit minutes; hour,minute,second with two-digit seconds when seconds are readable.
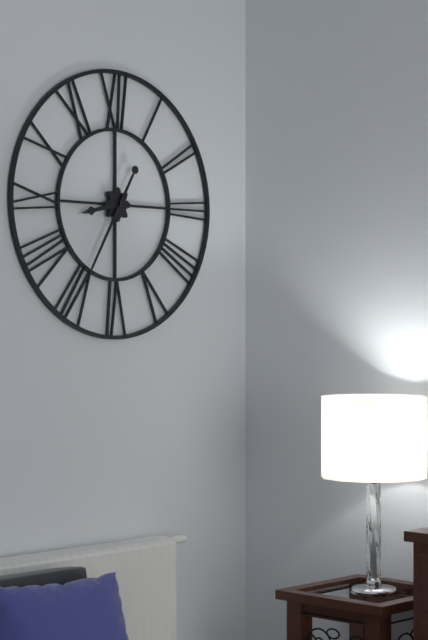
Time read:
8,35
